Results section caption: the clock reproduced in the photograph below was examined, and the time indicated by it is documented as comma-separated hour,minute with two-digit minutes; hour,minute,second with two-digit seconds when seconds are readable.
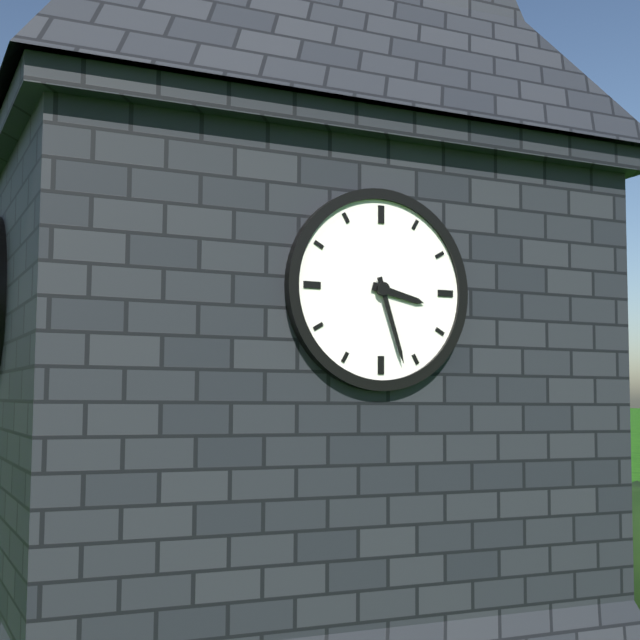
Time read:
3,27
